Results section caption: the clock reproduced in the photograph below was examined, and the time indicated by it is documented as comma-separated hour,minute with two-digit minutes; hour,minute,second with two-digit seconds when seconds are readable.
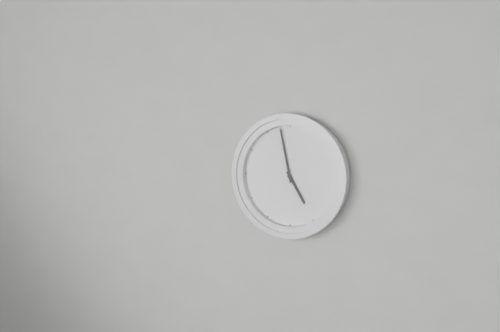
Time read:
4,58
